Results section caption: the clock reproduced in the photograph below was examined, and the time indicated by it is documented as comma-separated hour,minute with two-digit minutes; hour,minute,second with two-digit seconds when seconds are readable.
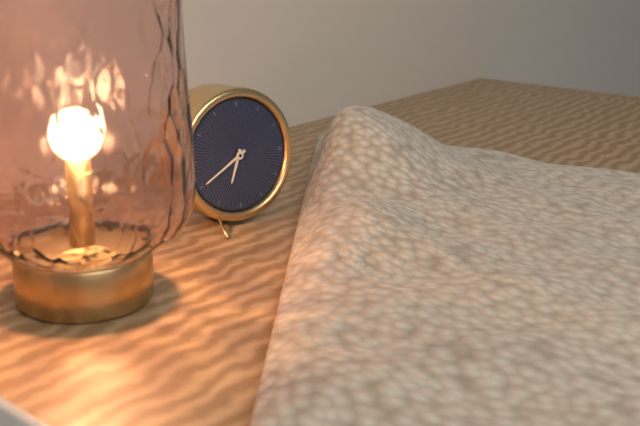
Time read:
6,40
